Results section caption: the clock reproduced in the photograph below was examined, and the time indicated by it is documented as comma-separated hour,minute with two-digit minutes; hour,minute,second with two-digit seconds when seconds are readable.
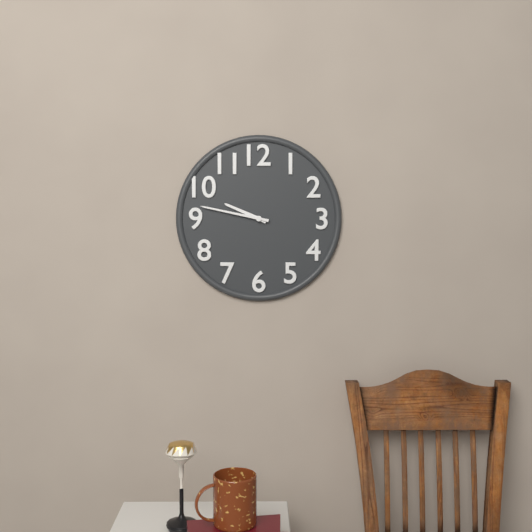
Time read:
9,47
